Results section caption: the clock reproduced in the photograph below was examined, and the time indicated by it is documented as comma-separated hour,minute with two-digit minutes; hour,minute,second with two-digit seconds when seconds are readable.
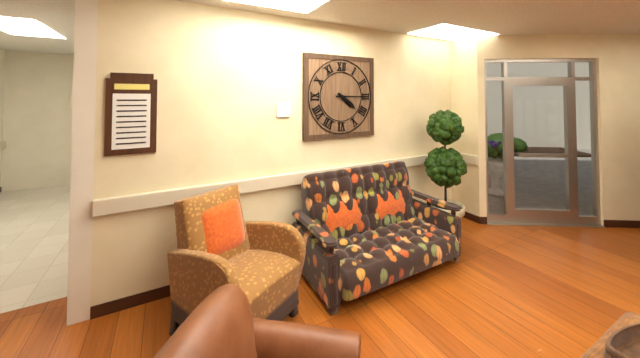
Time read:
4,15
